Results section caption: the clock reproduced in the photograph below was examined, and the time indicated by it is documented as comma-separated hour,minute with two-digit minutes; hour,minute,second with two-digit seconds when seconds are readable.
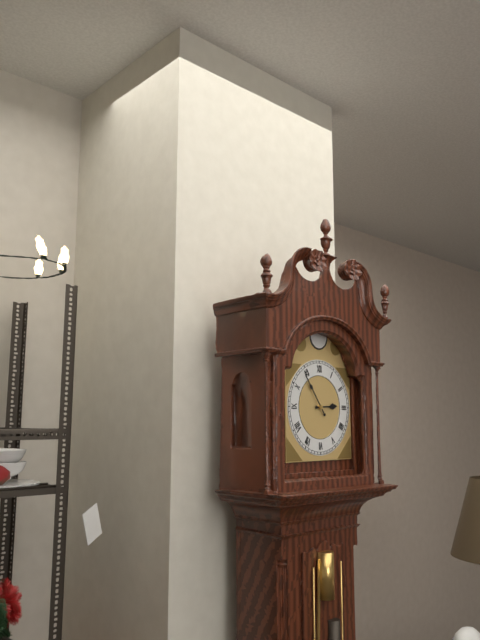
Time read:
2,54
